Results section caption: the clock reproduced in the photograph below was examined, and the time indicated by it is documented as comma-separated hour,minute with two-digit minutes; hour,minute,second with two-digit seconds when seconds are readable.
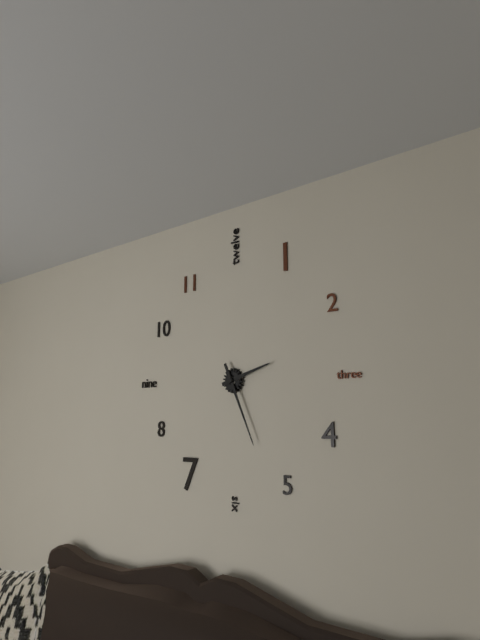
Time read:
2,26
